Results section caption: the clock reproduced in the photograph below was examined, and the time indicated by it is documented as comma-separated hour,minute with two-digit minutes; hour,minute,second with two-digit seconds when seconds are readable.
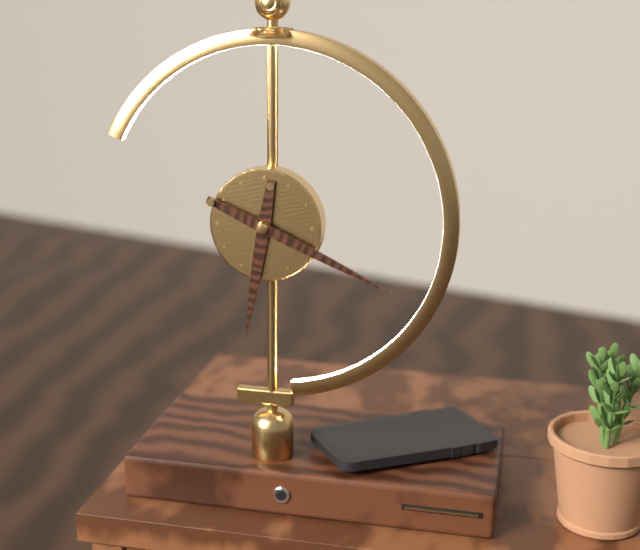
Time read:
6,19
